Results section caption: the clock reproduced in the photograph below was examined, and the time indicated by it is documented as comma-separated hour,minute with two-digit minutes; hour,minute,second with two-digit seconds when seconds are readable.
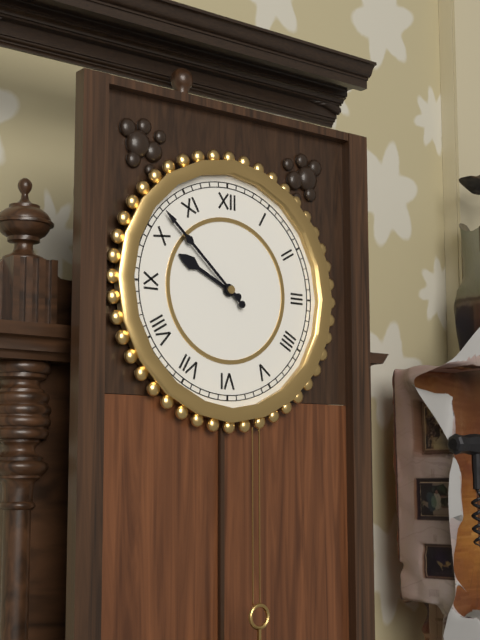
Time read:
9,52
